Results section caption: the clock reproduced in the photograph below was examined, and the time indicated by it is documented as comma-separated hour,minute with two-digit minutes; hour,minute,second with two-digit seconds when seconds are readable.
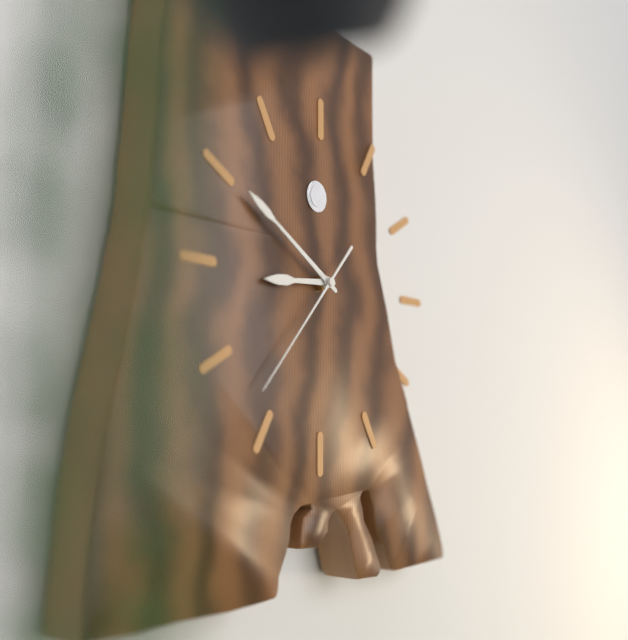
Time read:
8,50,37
